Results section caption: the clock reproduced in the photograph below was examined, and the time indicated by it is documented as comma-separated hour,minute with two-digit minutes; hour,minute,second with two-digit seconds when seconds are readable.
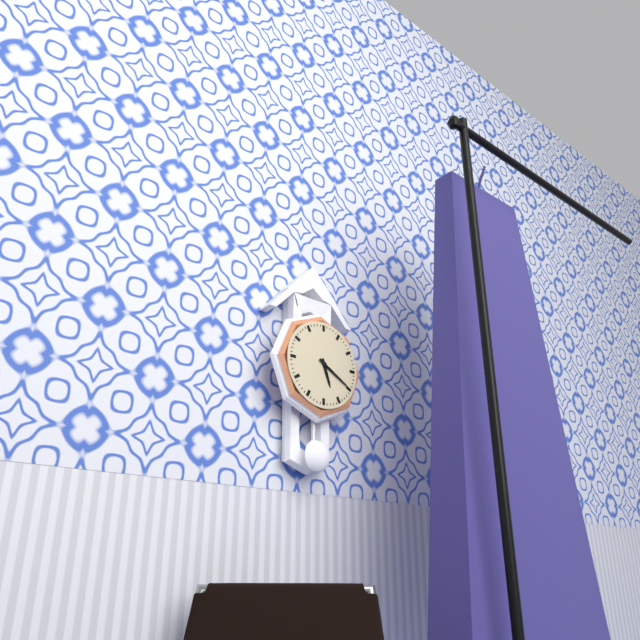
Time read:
5,20
